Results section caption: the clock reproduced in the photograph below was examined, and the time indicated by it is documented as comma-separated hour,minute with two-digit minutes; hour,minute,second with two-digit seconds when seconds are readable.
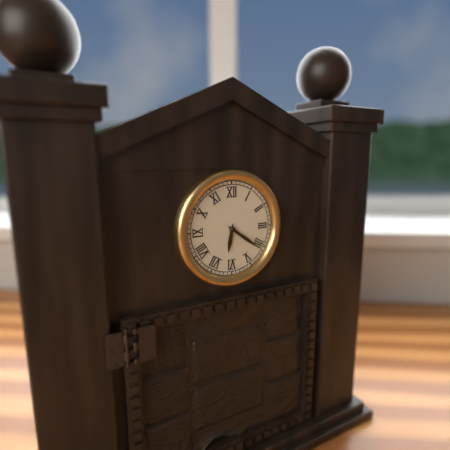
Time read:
6,21
